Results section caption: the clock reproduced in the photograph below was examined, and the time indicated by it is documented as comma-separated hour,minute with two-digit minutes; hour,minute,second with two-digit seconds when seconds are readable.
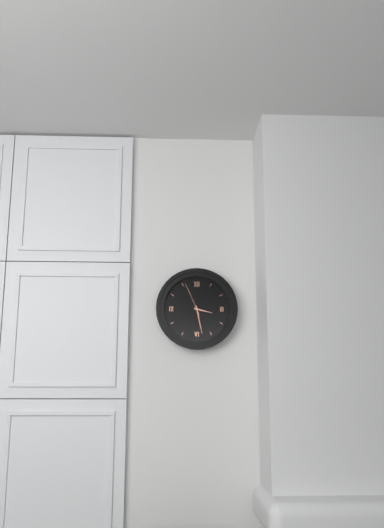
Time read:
3,28
